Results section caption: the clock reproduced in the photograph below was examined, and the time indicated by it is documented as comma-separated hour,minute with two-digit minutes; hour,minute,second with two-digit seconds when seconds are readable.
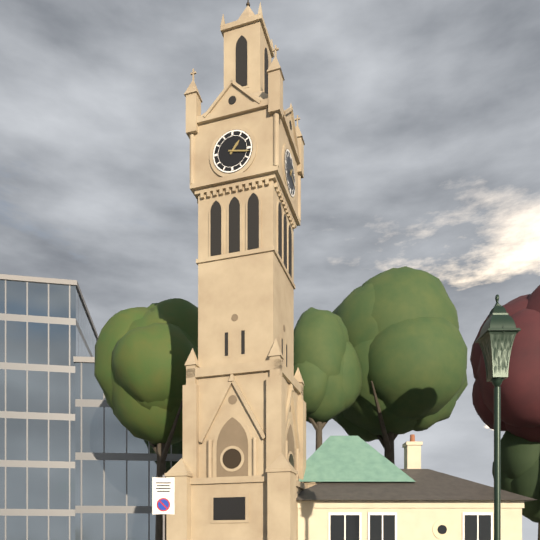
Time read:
1,17
